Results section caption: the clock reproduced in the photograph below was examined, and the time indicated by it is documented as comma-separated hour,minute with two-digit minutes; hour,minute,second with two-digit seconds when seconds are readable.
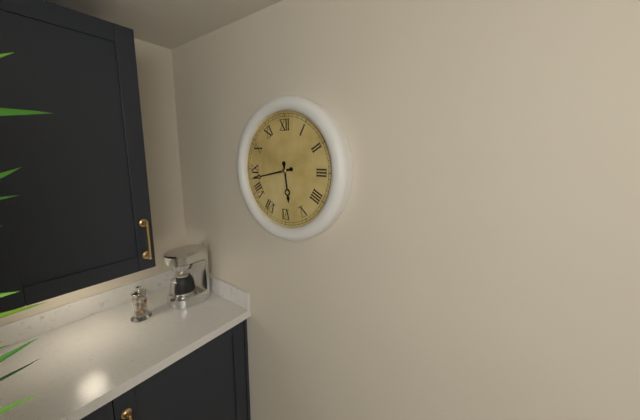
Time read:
5,43
